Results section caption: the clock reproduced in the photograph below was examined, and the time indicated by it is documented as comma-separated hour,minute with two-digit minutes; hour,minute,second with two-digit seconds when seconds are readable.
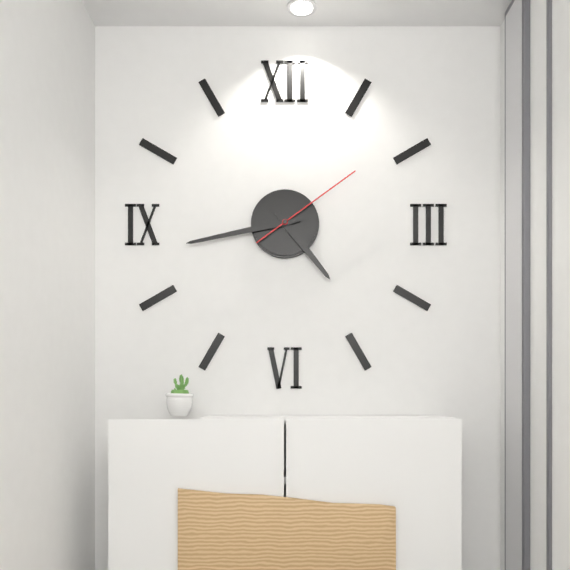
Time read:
4,43,09
